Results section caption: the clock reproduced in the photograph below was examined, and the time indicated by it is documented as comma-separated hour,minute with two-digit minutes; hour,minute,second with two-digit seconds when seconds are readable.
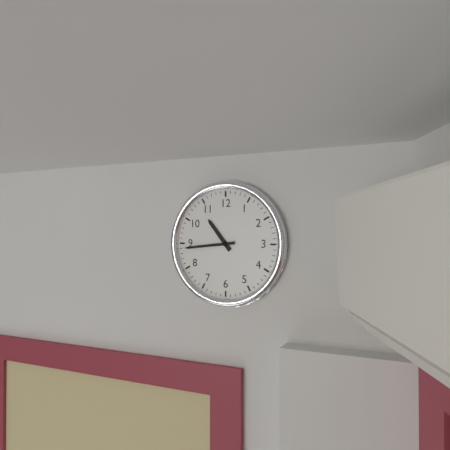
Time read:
10,44
